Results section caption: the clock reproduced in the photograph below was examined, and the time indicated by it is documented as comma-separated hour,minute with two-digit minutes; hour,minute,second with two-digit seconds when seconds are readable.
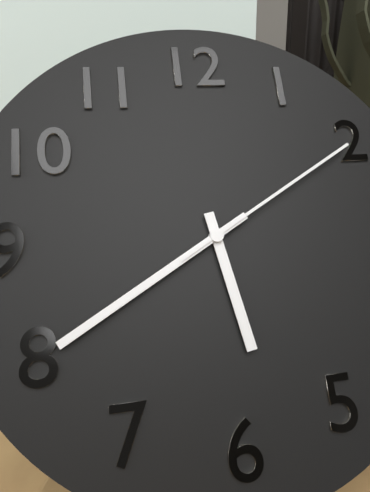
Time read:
5,40,10
